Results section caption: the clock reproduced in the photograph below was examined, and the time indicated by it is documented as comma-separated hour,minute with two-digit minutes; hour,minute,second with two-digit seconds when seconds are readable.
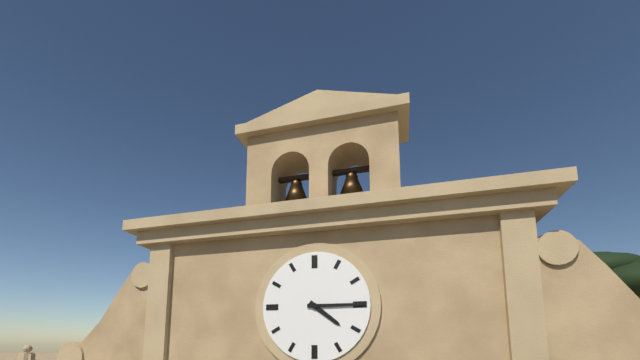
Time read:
4,15
